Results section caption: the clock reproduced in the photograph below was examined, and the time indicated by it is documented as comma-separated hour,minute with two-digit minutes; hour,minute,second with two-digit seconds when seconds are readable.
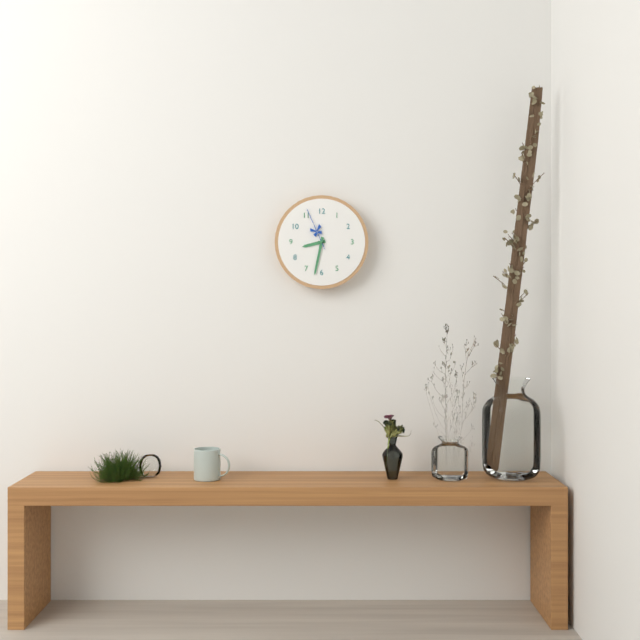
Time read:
8,32
